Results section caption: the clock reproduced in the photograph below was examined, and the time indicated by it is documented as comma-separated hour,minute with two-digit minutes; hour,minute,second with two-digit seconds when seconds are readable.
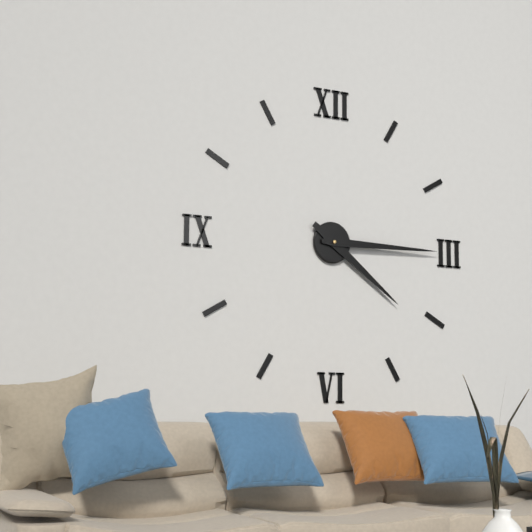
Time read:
4,15
